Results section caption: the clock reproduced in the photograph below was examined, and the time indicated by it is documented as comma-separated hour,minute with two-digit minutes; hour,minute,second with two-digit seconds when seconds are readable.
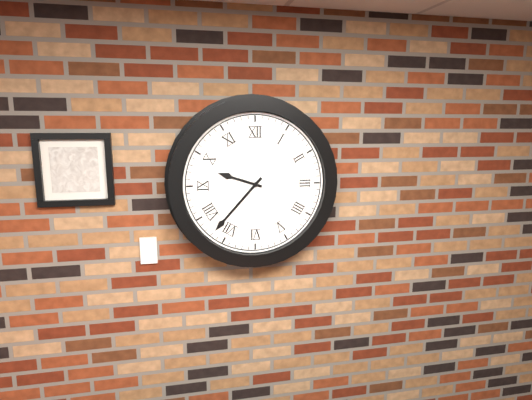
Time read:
9,37
